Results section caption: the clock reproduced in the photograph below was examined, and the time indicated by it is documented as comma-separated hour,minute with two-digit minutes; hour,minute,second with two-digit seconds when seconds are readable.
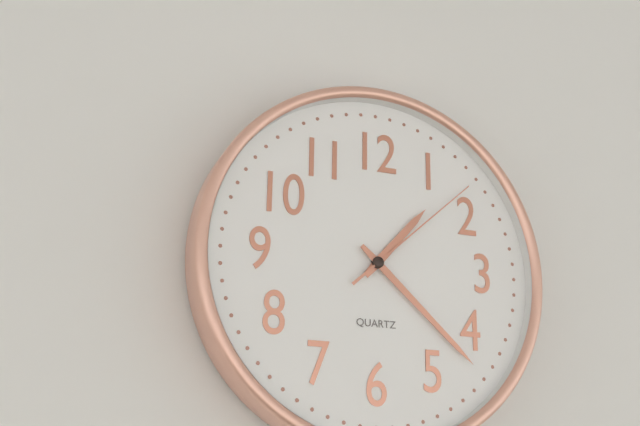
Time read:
1,22,08
